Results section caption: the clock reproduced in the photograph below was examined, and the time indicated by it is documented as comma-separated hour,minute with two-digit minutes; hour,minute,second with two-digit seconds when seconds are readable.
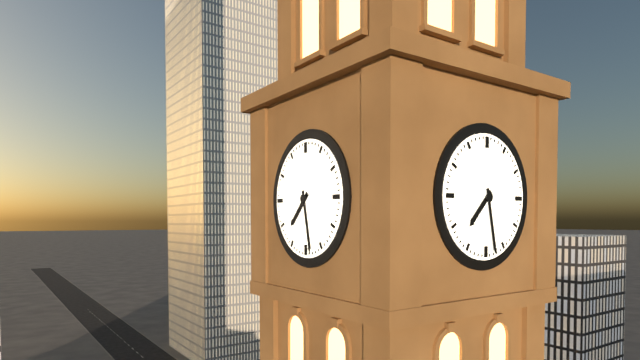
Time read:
7,28
